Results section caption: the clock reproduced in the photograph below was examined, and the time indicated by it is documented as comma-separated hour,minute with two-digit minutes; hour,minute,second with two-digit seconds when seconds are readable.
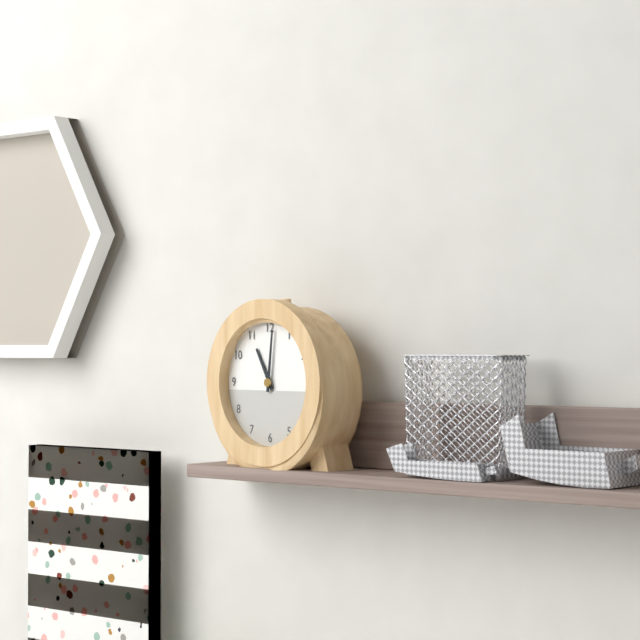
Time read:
11,01
